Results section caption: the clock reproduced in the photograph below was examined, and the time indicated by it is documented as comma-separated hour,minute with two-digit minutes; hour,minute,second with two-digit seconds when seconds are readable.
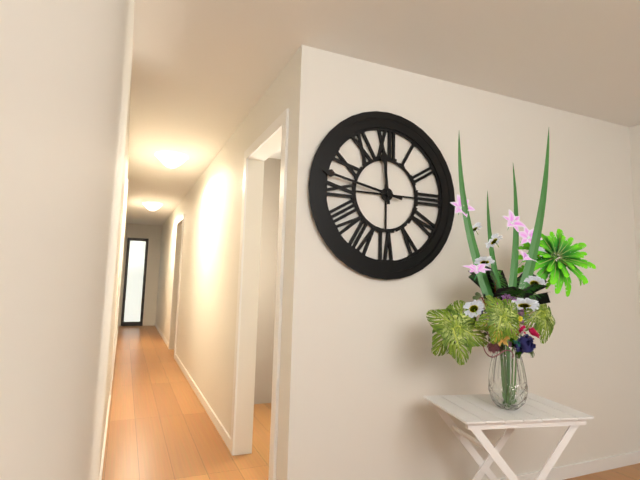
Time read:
11,47
